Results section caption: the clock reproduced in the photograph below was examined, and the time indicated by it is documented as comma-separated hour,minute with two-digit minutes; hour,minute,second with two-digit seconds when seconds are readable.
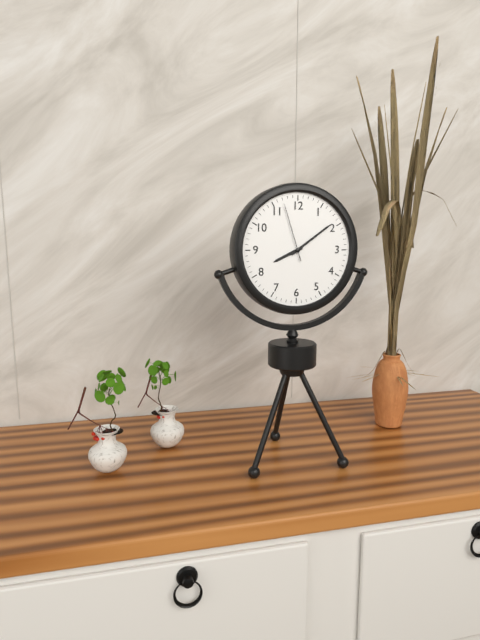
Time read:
8,09,57
